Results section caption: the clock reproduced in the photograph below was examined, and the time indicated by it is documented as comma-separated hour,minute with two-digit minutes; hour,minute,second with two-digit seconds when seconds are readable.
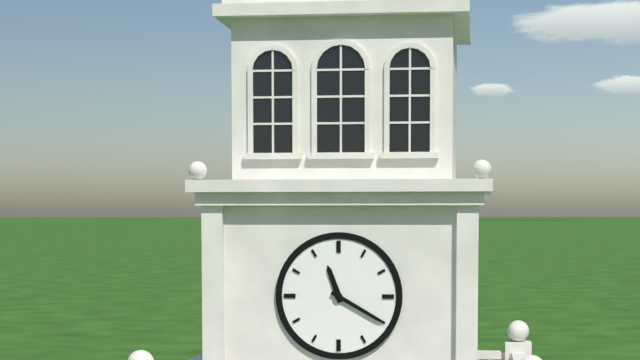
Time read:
11,20
